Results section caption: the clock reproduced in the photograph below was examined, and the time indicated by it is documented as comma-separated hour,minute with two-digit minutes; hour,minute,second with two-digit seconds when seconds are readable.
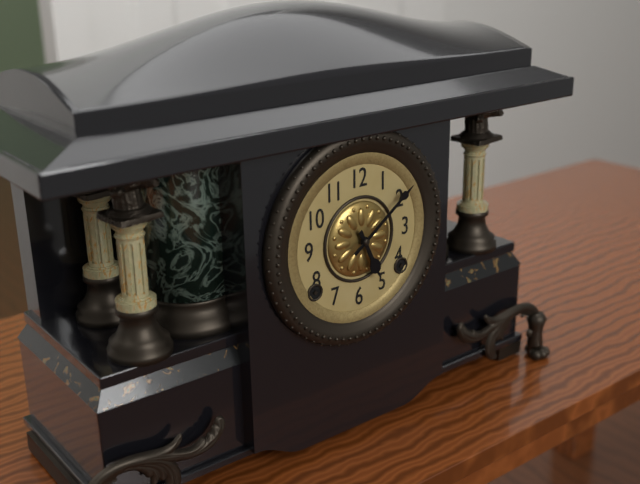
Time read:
5,09
